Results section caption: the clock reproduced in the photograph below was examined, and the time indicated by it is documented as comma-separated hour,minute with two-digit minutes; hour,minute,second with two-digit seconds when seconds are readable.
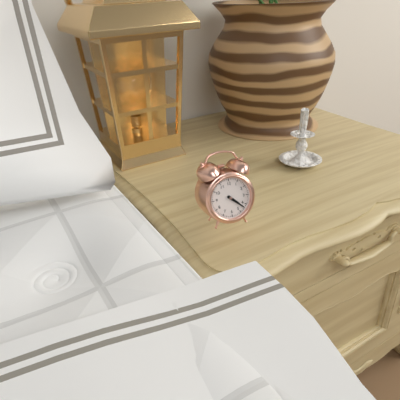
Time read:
4,22
